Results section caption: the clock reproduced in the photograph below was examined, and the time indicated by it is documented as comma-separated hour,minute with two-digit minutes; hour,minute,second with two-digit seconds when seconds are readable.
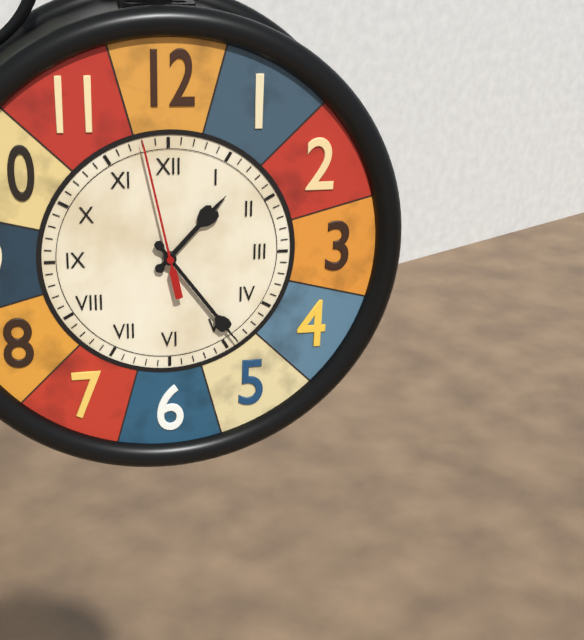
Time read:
1,24,58
